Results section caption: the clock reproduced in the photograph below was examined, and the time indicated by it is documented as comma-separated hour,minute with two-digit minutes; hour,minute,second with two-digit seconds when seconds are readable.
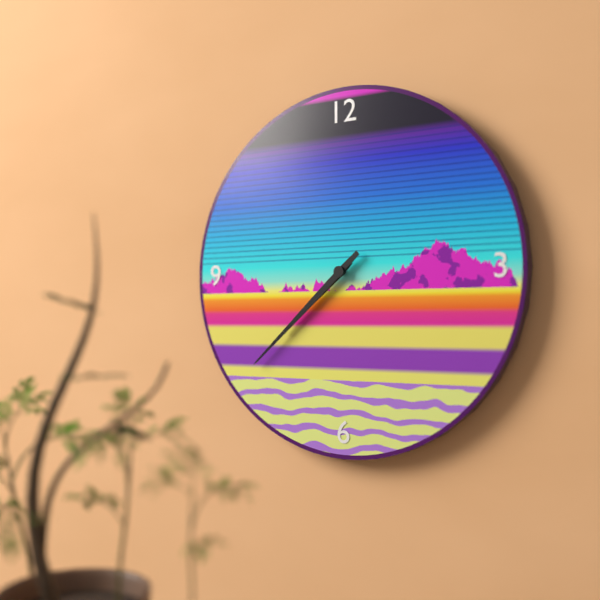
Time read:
7,38
